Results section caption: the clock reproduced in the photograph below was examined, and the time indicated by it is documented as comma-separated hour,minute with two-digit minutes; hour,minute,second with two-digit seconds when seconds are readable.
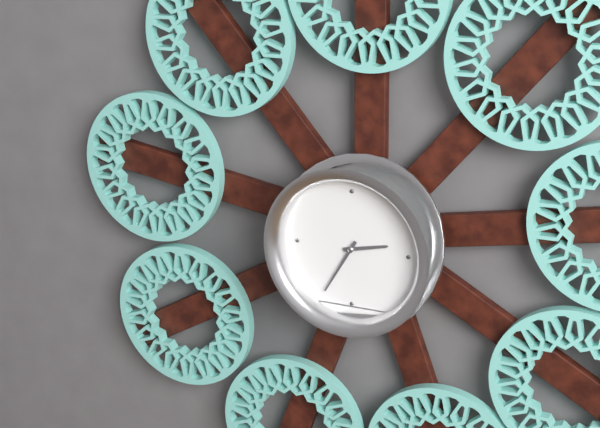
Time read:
2,35
